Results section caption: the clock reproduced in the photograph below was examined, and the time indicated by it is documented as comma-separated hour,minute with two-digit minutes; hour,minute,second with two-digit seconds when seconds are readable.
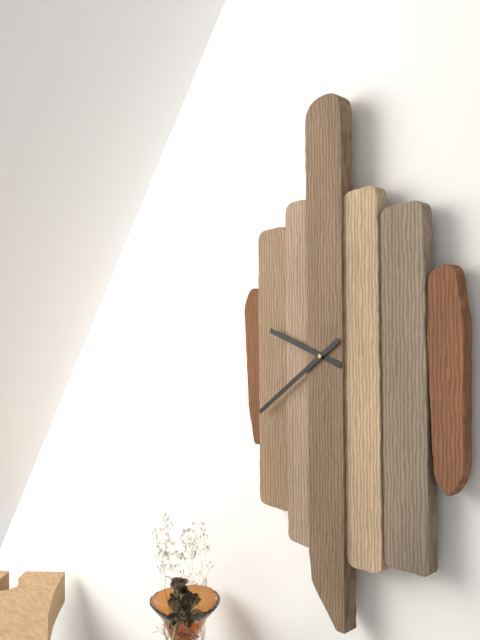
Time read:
9,39
